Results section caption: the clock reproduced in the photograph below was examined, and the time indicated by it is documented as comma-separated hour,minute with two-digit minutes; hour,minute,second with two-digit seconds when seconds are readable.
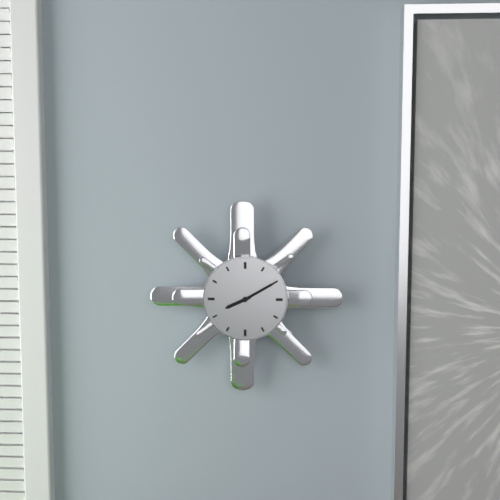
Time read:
8,10
